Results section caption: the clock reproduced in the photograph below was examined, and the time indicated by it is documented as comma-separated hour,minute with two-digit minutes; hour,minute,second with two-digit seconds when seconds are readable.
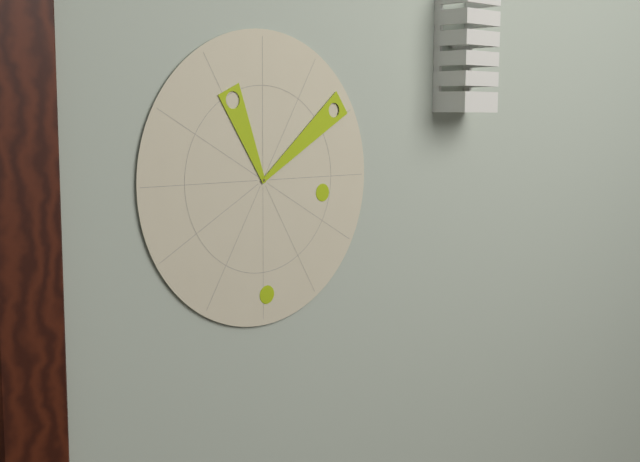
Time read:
11,09
